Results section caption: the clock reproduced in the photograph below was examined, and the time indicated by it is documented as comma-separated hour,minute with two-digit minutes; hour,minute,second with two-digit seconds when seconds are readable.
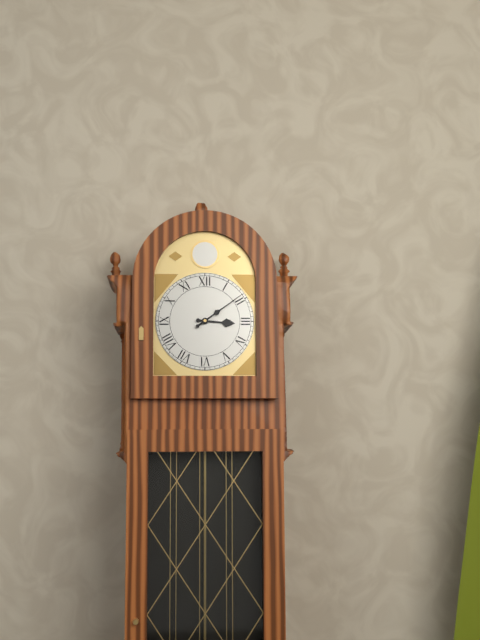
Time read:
3,09
